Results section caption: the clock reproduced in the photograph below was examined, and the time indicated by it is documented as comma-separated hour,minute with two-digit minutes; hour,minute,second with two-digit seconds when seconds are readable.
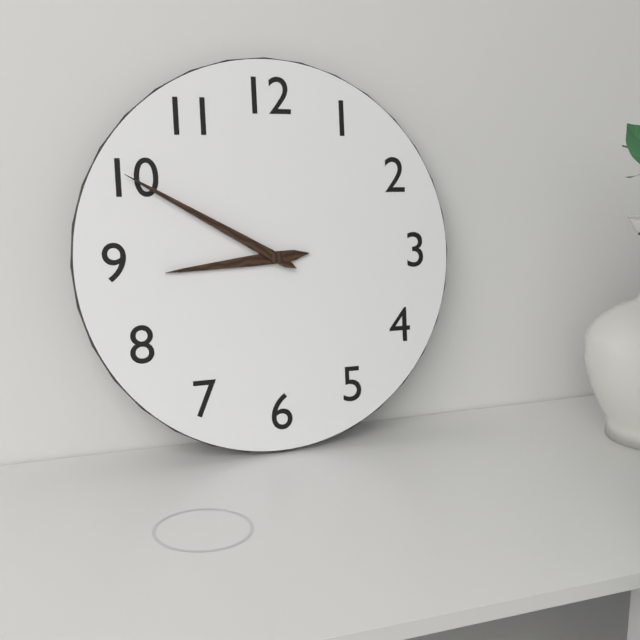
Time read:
8,50
